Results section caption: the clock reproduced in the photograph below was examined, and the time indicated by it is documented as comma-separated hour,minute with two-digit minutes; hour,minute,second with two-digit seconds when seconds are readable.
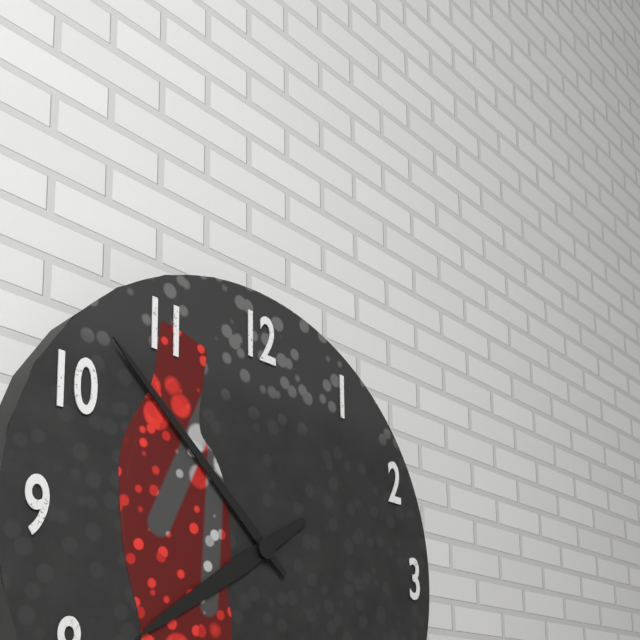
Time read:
7,52
